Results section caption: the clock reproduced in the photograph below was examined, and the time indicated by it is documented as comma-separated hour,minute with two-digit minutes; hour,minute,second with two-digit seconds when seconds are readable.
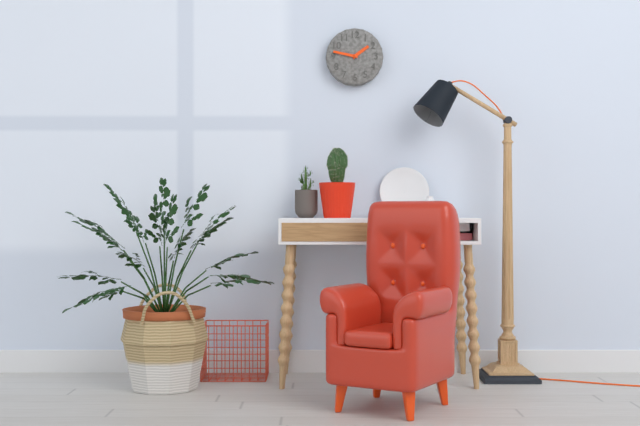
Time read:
1,47
